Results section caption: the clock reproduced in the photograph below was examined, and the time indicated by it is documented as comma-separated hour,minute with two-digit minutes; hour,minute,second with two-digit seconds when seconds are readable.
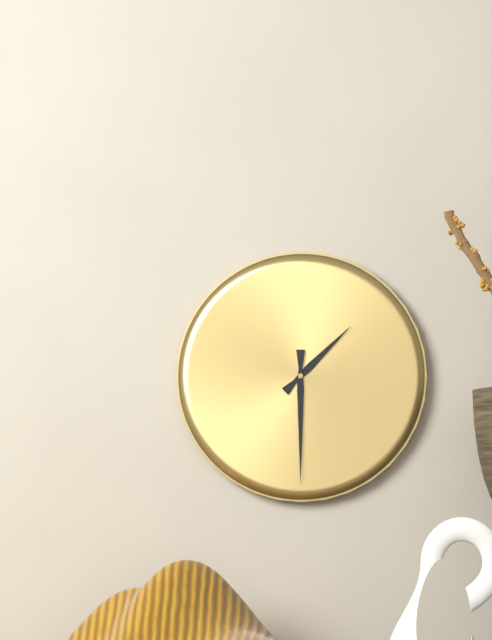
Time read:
1,30
